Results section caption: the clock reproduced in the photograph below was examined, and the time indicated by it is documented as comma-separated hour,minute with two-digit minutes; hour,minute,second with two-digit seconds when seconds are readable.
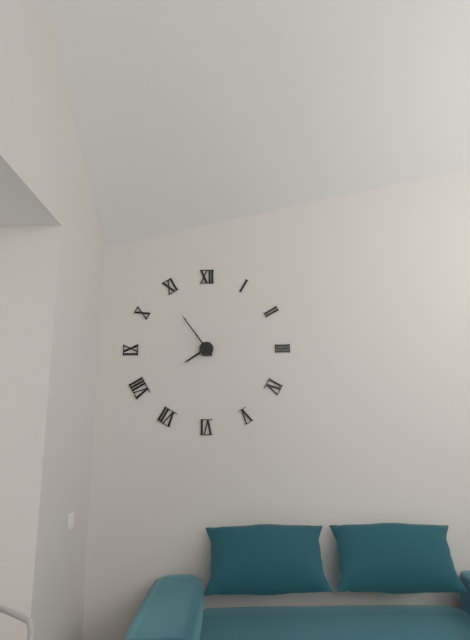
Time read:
7,54
